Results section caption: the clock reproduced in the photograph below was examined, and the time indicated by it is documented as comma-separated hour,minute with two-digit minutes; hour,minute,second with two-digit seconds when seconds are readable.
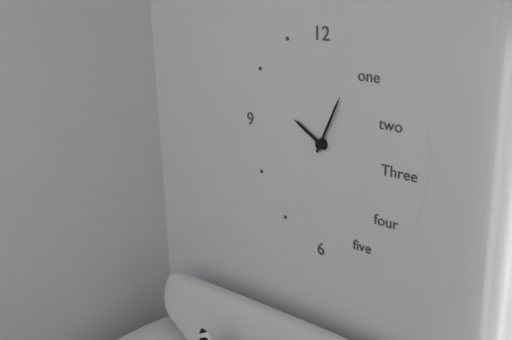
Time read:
10,04
